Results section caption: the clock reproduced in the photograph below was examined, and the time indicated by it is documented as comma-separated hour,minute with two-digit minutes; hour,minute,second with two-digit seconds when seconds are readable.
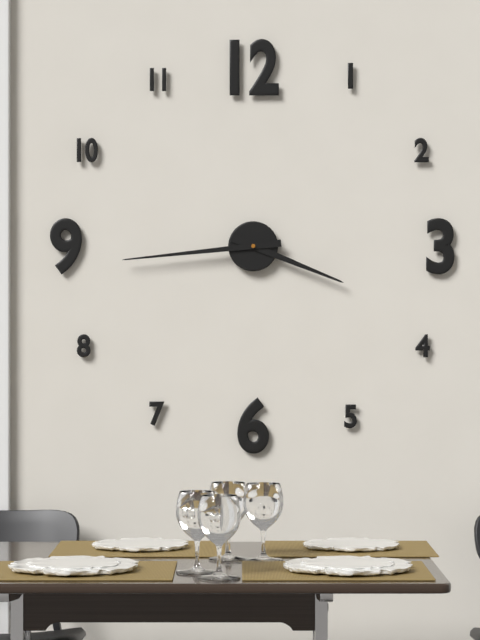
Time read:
3,44
